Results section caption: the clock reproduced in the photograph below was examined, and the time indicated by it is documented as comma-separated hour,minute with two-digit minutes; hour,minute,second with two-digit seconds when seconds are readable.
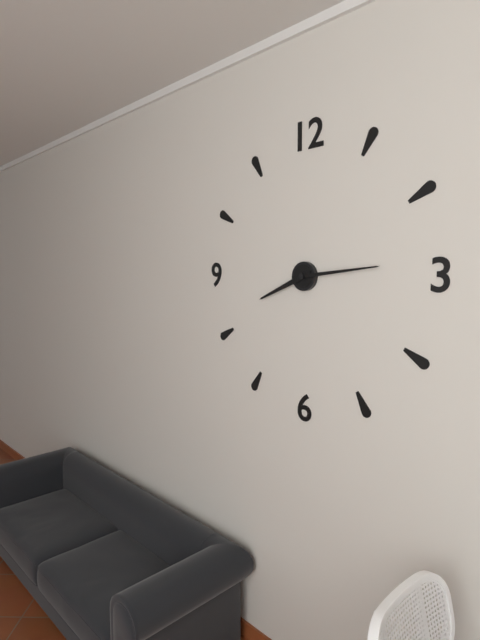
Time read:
8,14
